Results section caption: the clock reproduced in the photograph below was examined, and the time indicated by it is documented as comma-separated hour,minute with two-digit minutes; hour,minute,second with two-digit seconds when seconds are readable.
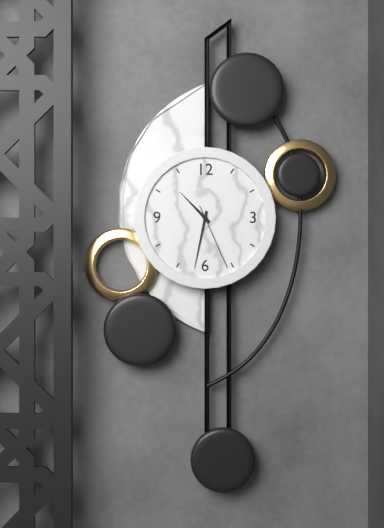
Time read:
10,32,26
